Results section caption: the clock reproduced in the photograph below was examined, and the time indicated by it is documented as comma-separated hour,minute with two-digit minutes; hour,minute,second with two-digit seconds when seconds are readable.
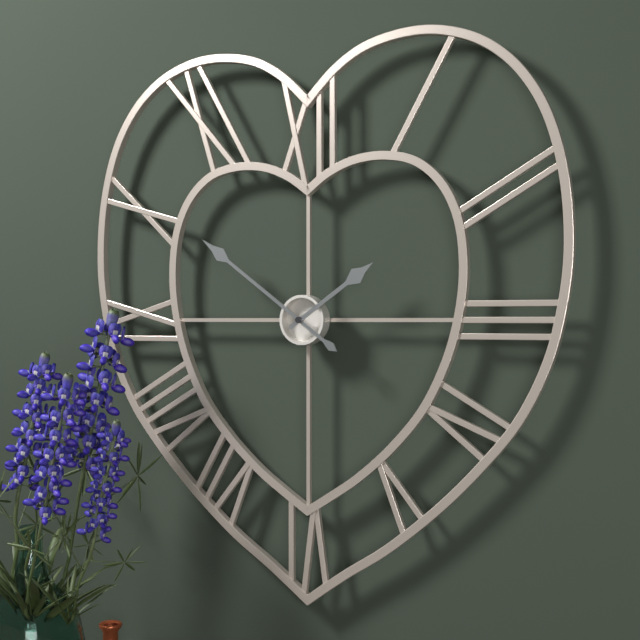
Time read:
1,51
